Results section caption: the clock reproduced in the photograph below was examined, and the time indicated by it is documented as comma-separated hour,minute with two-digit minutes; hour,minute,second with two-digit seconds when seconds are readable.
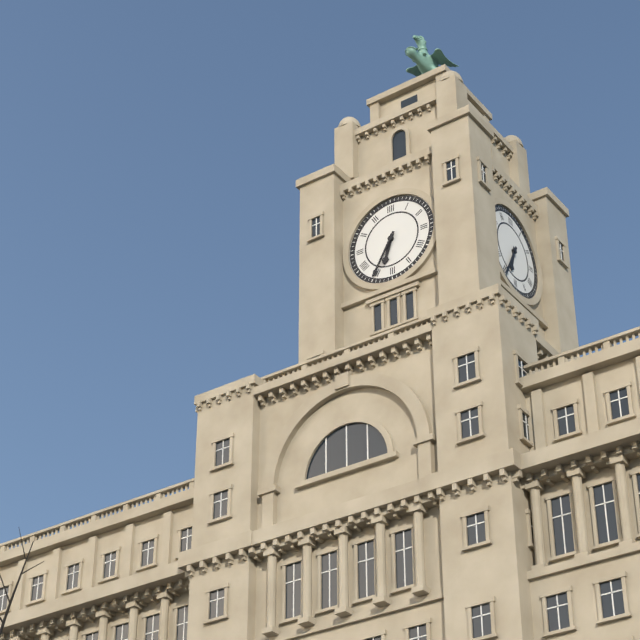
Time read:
6,35
